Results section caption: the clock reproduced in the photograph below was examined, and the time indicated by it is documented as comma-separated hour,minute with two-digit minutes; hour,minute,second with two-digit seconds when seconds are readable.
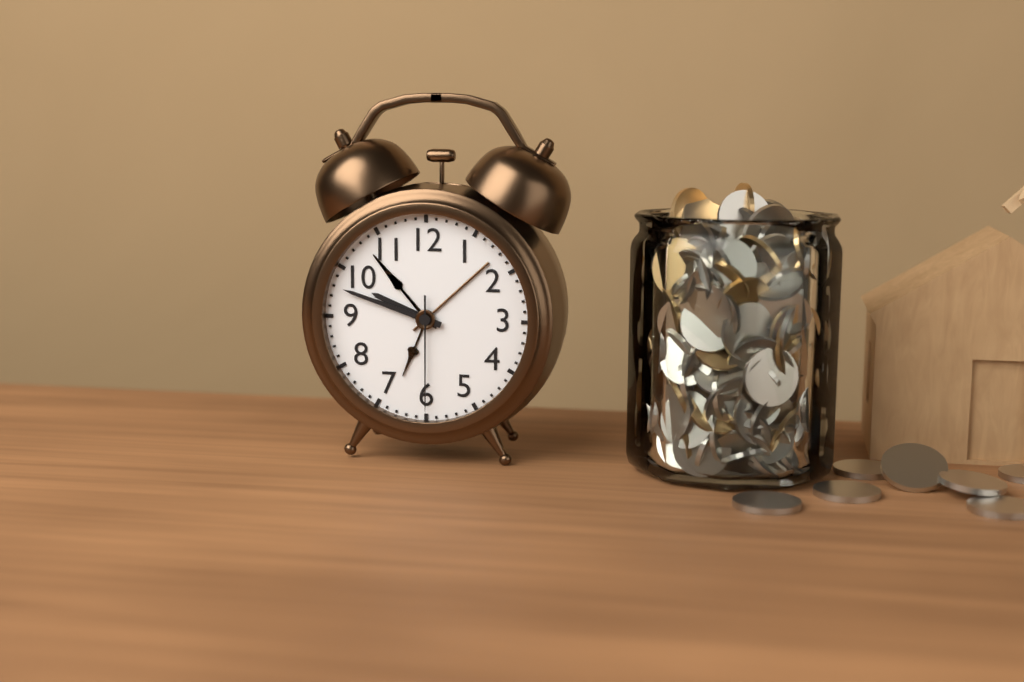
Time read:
9,48,30
